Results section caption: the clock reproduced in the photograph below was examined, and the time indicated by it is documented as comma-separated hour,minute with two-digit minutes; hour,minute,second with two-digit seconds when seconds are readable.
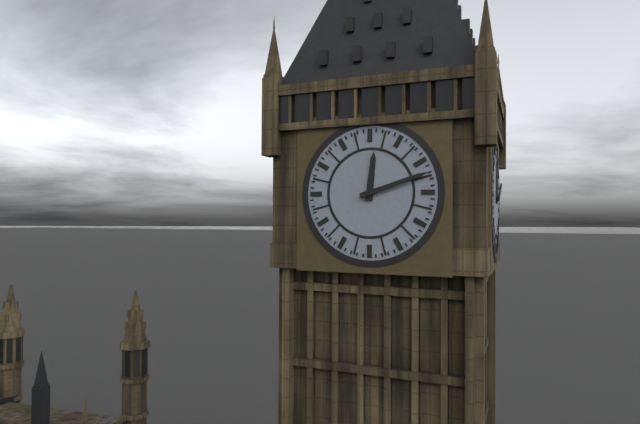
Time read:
12,12
